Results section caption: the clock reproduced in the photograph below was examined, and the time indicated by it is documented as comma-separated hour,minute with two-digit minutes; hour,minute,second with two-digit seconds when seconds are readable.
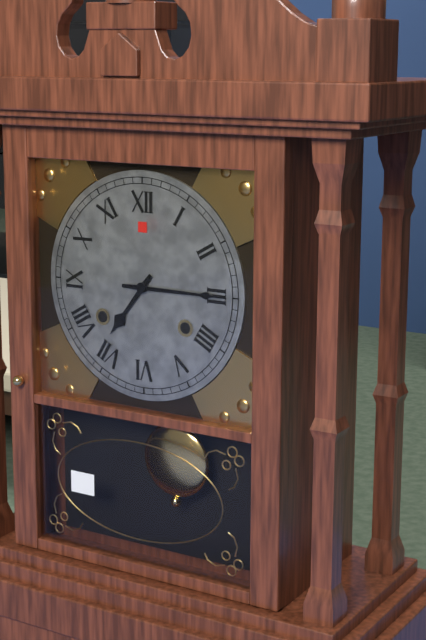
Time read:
7,15
